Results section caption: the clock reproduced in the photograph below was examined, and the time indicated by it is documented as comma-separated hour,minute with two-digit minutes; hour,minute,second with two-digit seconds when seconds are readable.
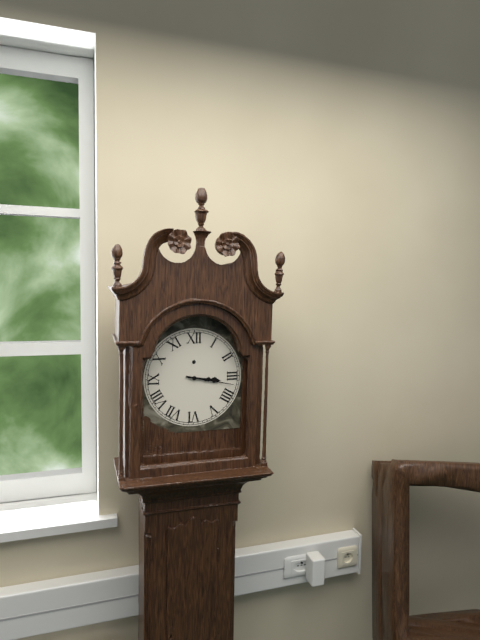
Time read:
3,17
